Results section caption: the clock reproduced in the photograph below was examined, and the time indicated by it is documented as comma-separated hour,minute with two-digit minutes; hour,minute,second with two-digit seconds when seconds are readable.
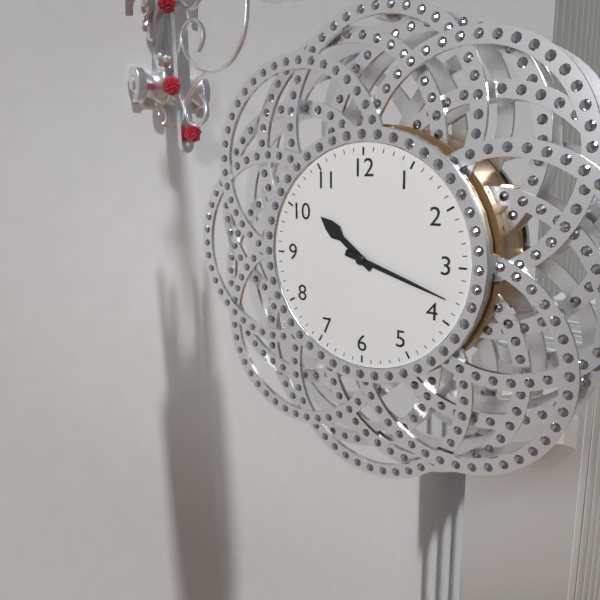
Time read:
10,18
